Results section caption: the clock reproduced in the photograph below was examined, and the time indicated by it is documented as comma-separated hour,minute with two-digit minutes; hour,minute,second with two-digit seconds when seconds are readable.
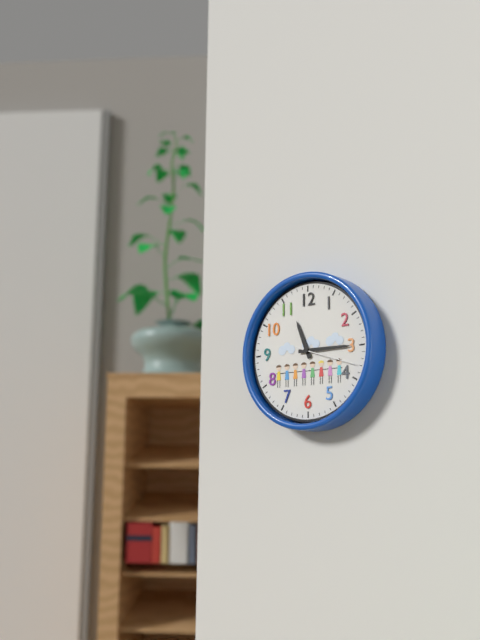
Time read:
11,15,18
